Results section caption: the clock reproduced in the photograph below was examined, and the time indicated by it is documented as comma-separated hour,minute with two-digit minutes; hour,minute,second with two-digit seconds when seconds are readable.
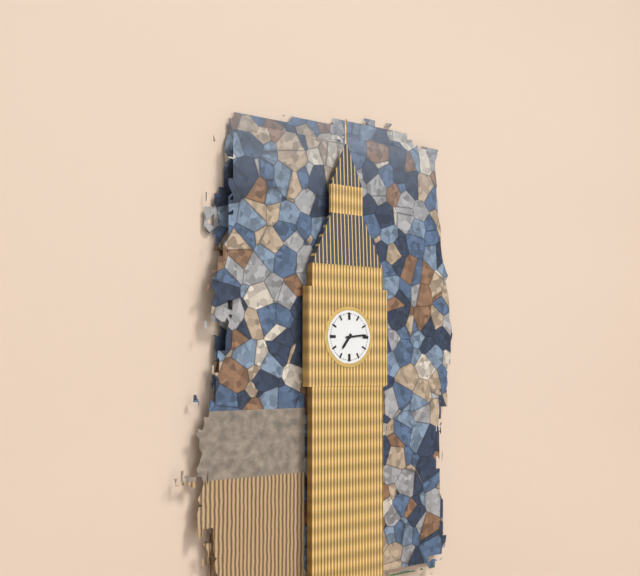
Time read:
7,14
